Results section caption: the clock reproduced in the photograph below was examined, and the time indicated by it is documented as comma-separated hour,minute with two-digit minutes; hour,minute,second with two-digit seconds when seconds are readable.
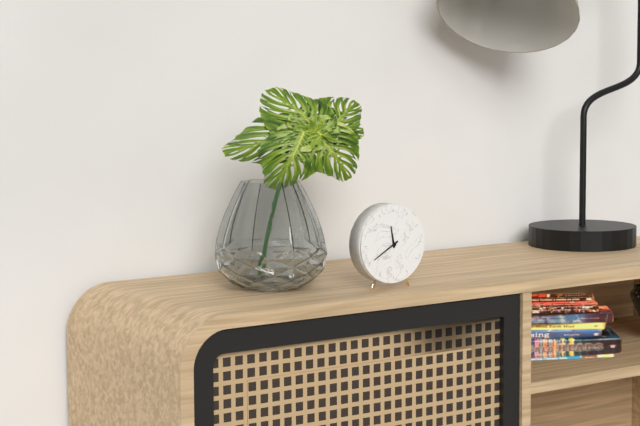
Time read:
11,40
